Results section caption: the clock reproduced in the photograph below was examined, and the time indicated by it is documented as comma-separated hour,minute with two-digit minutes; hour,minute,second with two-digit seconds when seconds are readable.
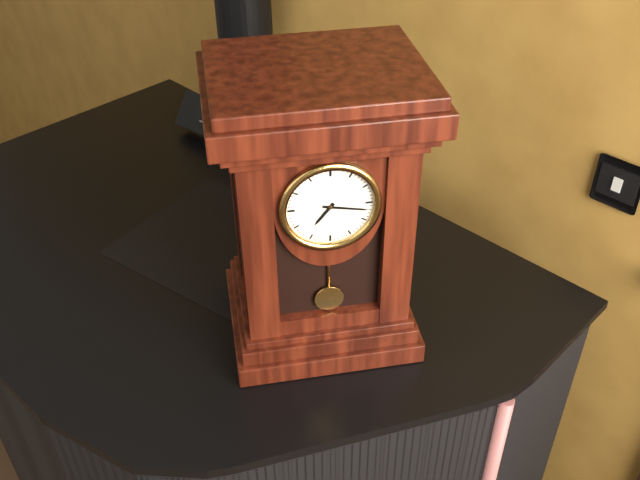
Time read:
7,17
